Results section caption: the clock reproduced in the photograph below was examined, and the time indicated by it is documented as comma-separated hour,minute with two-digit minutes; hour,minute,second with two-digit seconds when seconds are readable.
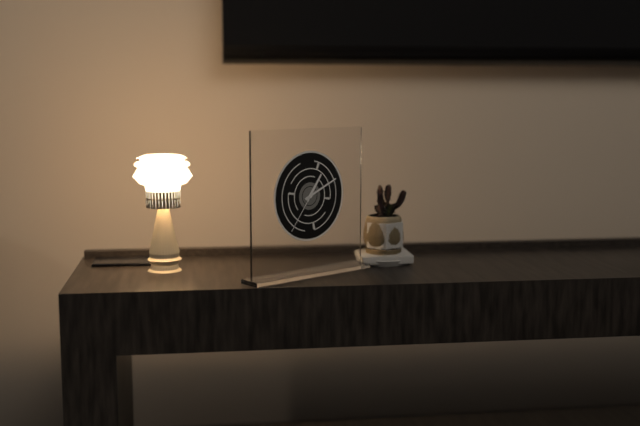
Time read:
1,11
